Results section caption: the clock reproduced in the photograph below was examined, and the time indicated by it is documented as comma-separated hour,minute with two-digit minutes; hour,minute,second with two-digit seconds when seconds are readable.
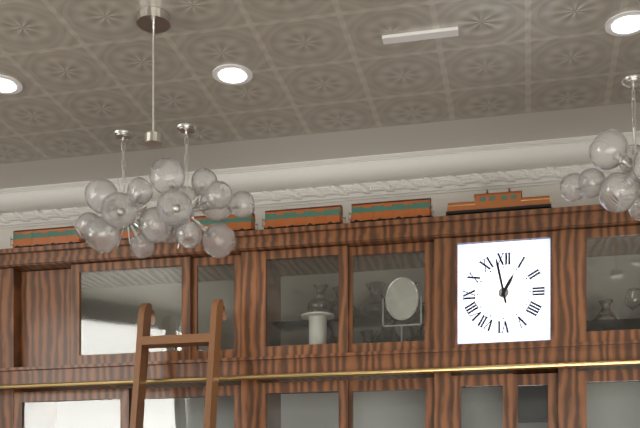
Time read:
12,58
